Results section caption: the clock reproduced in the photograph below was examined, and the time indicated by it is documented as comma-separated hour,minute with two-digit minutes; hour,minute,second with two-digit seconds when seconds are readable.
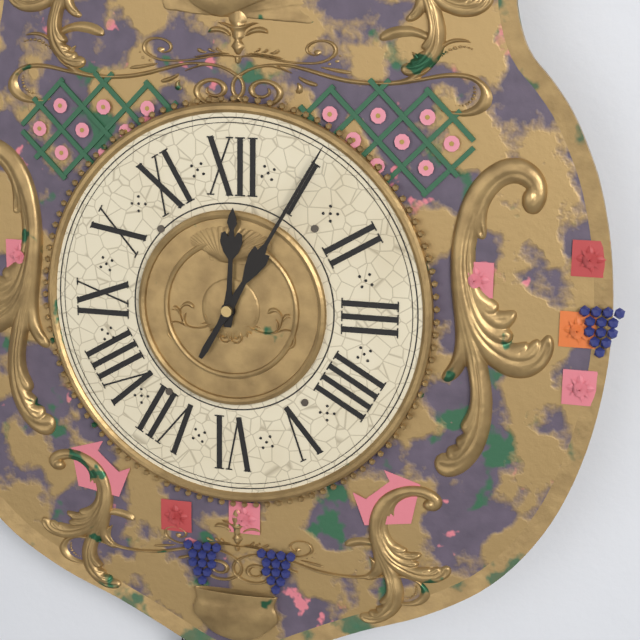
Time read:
12,05
